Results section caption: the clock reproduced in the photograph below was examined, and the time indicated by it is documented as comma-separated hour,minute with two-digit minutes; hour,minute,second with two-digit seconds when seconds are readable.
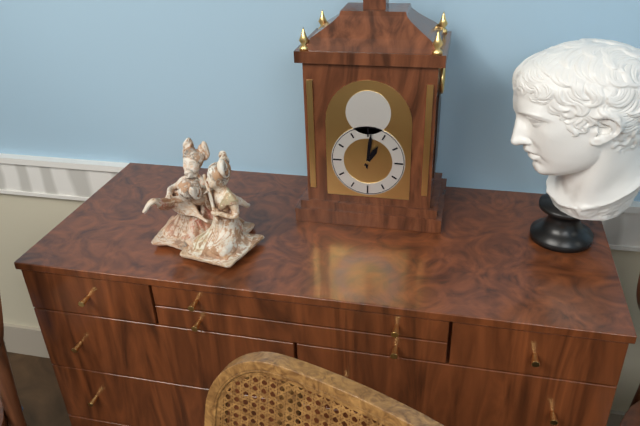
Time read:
1,01
